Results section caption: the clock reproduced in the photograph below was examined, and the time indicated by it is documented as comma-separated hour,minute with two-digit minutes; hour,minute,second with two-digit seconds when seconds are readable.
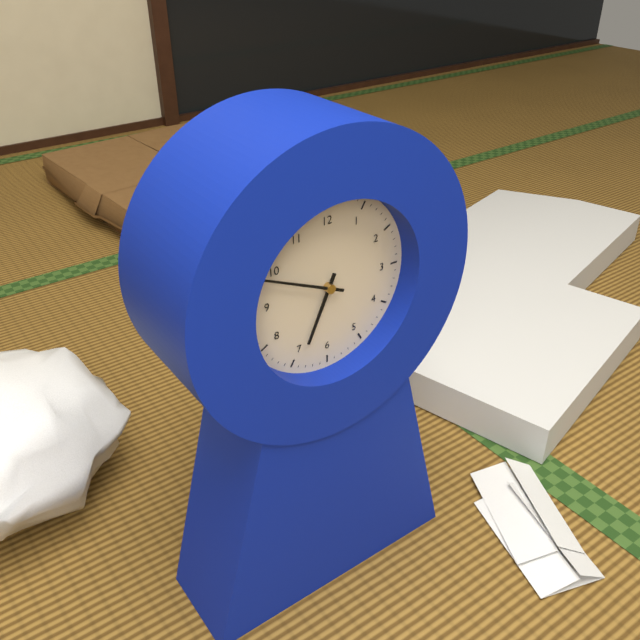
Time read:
6,49
